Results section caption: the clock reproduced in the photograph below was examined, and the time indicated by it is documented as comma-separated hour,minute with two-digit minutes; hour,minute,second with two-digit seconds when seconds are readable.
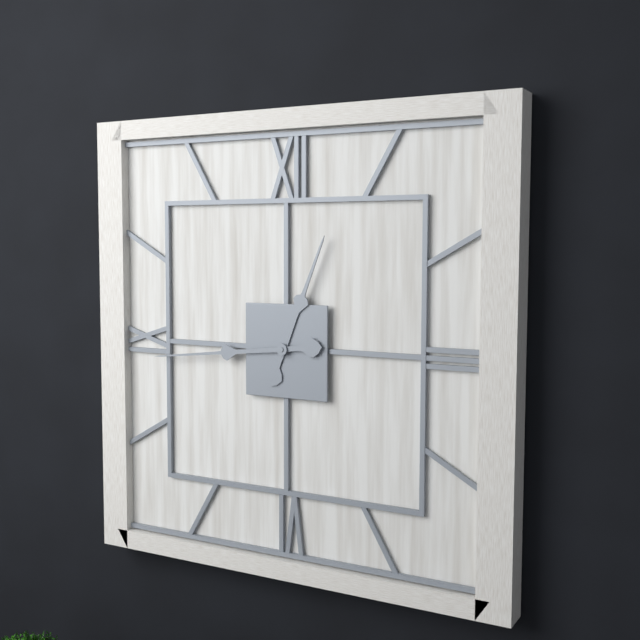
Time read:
12,44
